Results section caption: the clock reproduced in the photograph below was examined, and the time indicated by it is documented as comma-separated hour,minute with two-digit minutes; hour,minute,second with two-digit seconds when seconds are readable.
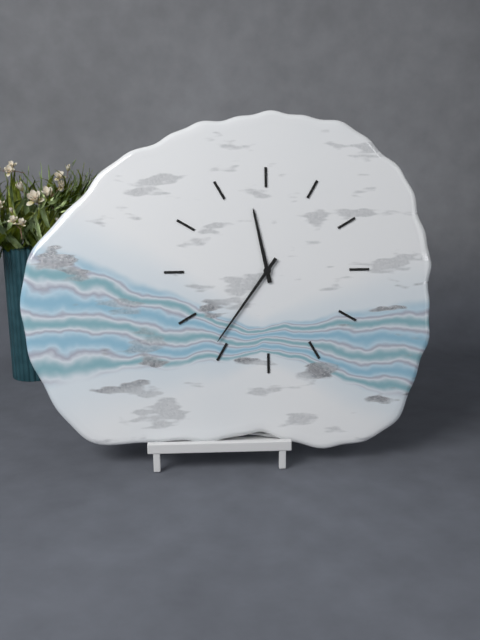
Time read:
11,36
